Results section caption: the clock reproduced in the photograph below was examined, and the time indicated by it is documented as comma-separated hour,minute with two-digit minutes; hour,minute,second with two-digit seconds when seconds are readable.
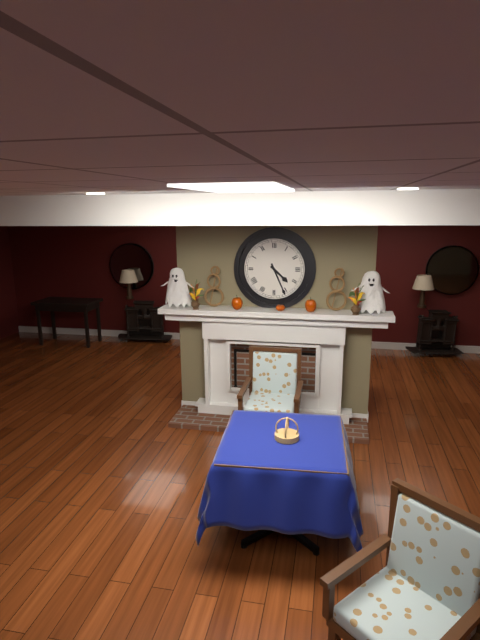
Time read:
4,26
